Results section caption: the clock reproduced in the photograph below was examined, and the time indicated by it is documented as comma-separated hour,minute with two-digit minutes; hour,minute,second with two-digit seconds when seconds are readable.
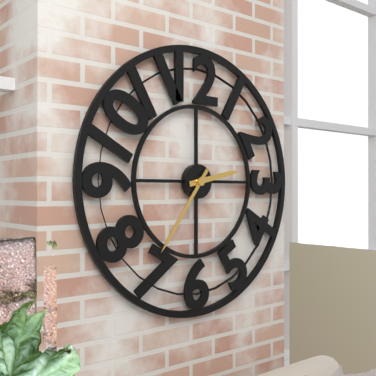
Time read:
2,36
